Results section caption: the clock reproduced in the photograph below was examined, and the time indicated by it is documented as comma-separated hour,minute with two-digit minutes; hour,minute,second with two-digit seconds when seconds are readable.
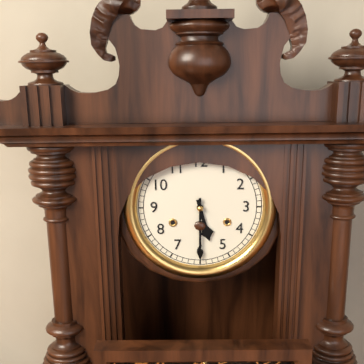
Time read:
5,30
